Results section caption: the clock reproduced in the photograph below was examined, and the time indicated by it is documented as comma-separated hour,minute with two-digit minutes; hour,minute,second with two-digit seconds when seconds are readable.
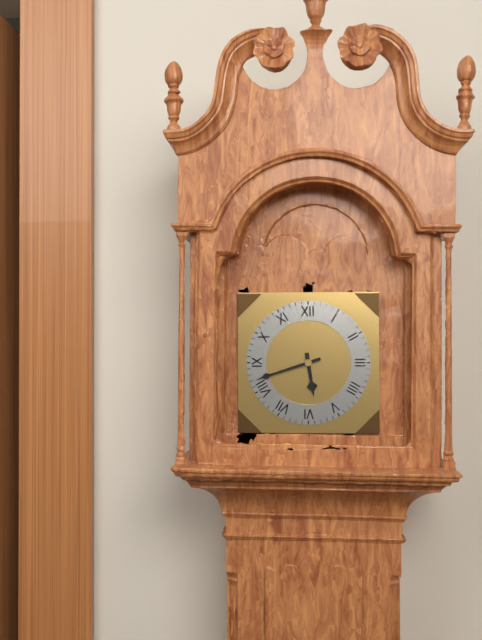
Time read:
5,42
